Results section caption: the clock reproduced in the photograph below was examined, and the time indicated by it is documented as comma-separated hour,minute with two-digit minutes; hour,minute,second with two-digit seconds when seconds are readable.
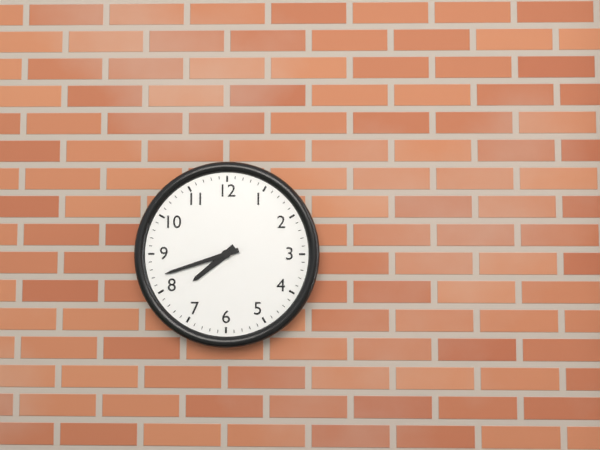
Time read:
7,42
